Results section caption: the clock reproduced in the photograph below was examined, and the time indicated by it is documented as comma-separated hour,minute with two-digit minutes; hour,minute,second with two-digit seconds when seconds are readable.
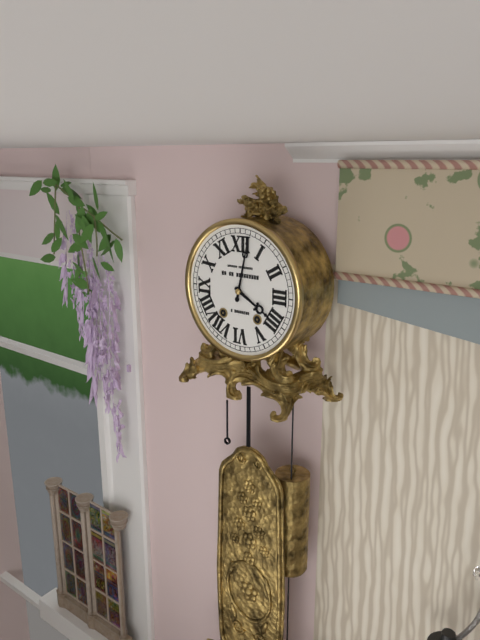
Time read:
4,02
